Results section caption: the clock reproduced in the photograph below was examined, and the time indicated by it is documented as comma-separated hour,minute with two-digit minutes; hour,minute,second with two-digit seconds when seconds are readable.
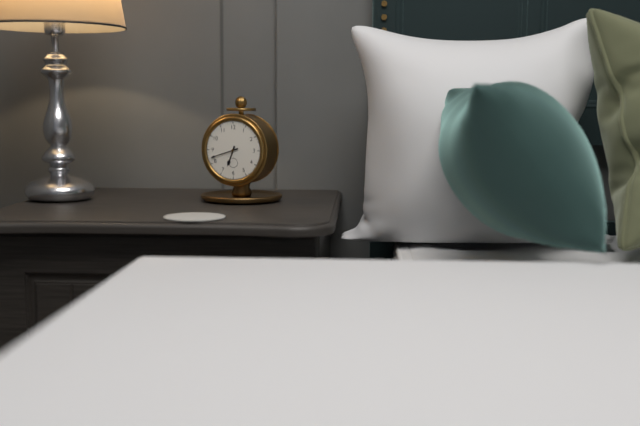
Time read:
6,42
